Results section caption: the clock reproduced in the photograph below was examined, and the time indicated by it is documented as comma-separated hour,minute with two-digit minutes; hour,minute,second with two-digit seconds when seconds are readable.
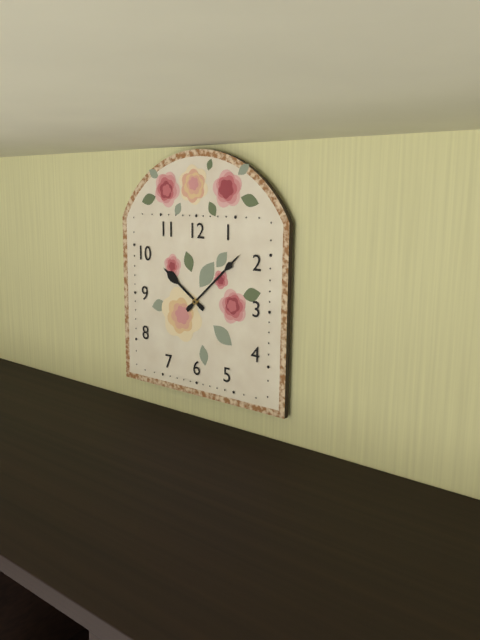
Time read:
10,08
